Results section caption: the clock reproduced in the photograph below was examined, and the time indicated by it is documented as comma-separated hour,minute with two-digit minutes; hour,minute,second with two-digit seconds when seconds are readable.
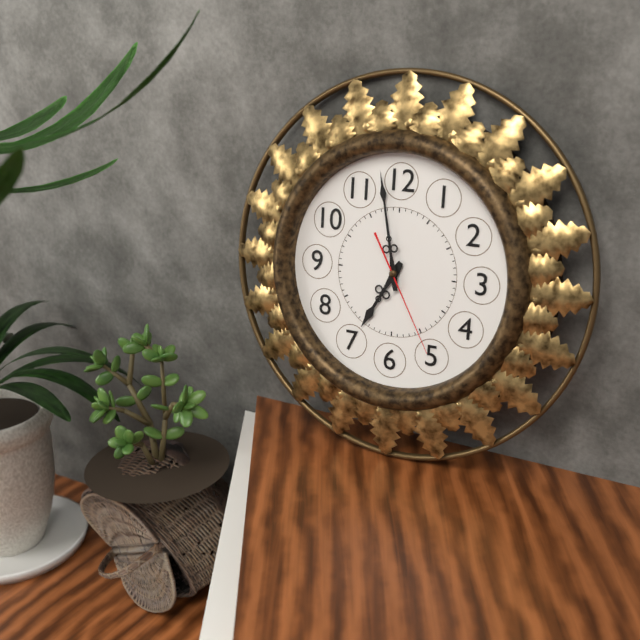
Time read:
6,58,25
